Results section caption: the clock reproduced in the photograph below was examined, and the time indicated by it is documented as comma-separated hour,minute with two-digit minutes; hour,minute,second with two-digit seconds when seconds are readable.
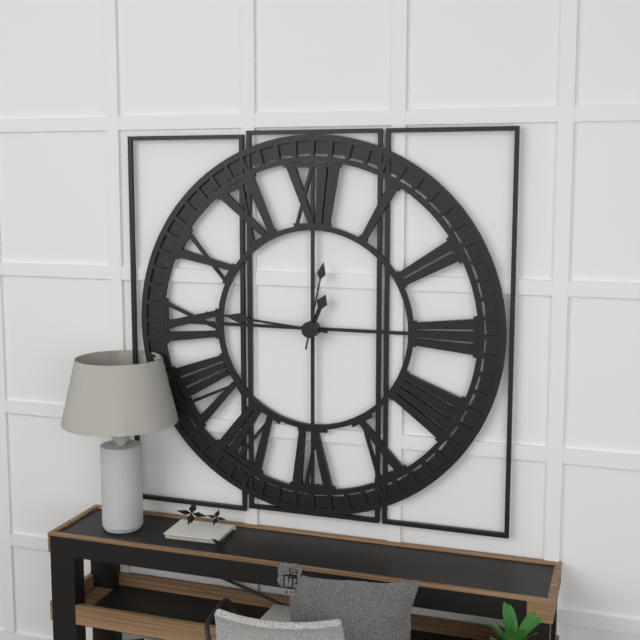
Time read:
12,46,02
